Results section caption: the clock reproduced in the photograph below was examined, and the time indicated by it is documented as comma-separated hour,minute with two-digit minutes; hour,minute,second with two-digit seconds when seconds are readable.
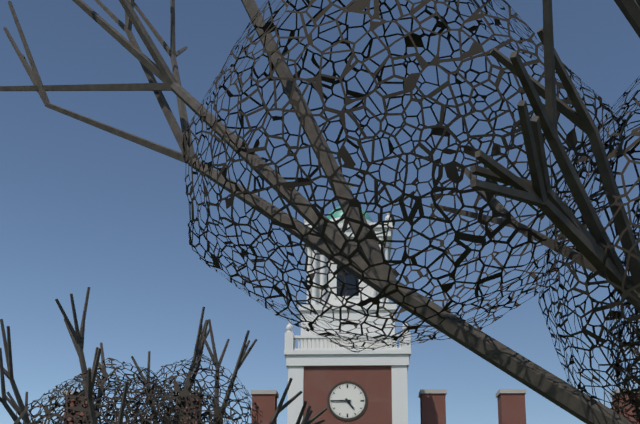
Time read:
4,45
